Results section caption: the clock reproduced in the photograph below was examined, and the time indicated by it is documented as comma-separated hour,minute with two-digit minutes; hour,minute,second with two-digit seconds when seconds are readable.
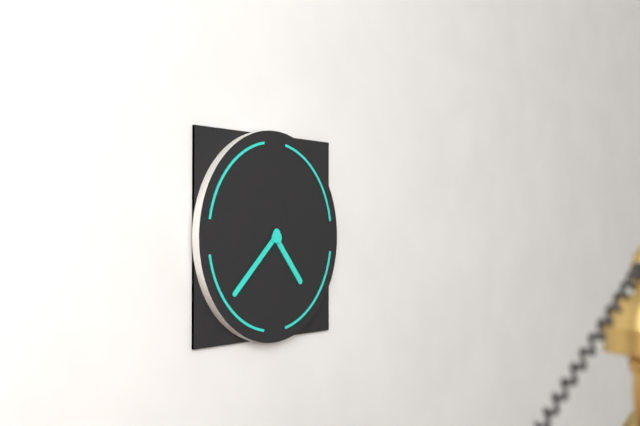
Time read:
4,38
